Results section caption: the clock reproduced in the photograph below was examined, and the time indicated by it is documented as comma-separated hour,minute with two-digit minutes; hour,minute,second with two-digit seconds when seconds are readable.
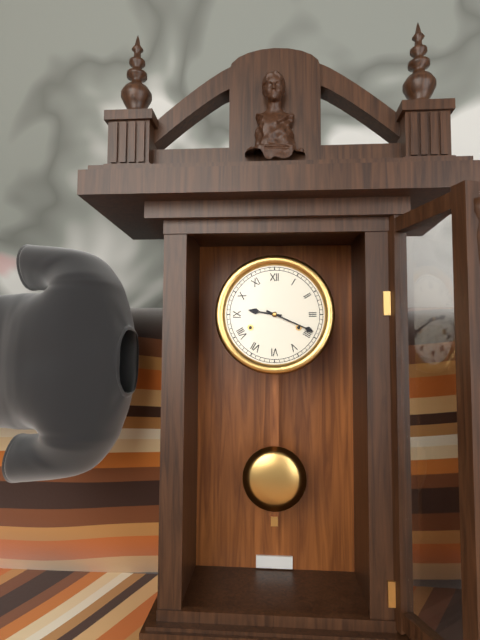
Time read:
9,19
